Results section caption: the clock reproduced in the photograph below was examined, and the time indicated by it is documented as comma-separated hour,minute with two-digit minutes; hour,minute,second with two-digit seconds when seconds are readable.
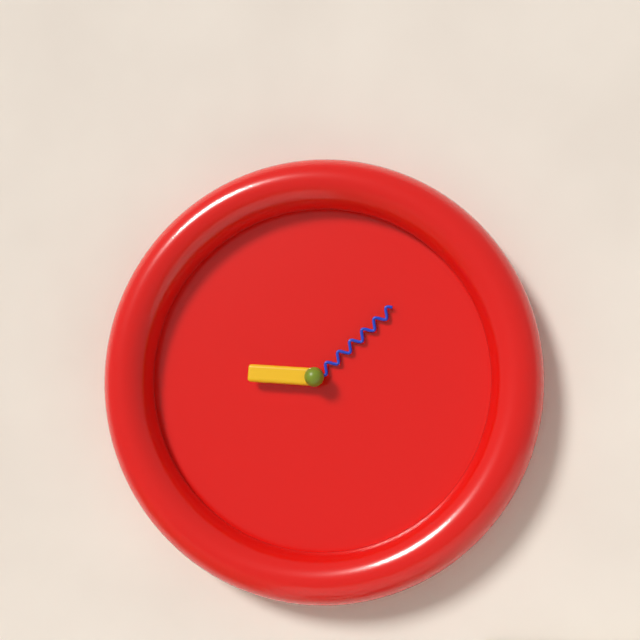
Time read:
9,08
